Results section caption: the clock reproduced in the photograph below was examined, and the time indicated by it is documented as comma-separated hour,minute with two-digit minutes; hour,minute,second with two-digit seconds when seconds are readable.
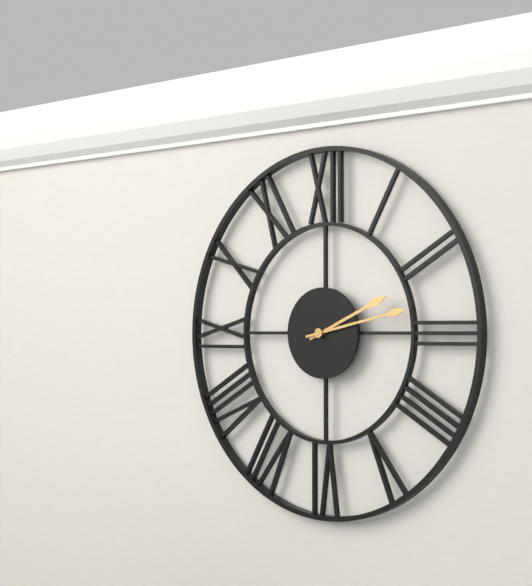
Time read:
2,13
